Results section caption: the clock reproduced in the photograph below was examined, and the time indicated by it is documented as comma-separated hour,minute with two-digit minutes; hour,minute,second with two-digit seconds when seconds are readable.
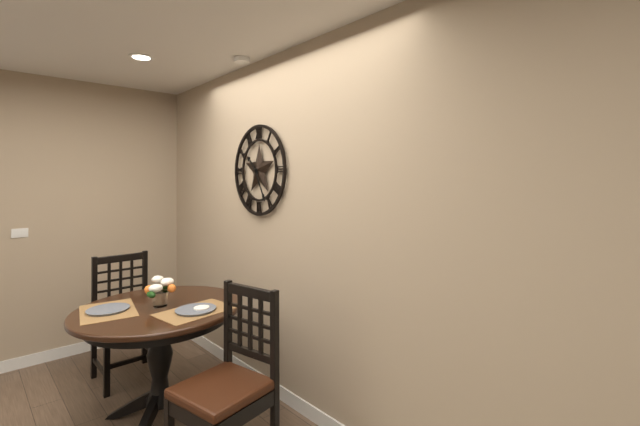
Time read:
10,25
